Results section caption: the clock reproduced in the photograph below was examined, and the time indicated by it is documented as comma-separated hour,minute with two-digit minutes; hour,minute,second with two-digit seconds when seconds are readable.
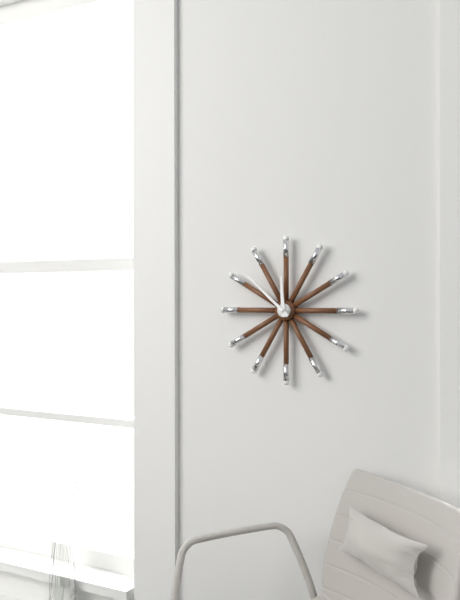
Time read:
11,52
